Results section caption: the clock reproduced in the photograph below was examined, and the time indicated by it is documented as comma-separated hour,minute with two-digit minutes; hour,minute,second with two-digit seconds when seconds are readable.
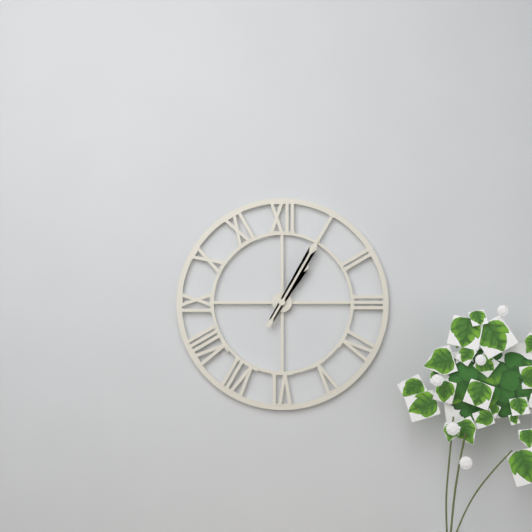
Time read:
1,05
